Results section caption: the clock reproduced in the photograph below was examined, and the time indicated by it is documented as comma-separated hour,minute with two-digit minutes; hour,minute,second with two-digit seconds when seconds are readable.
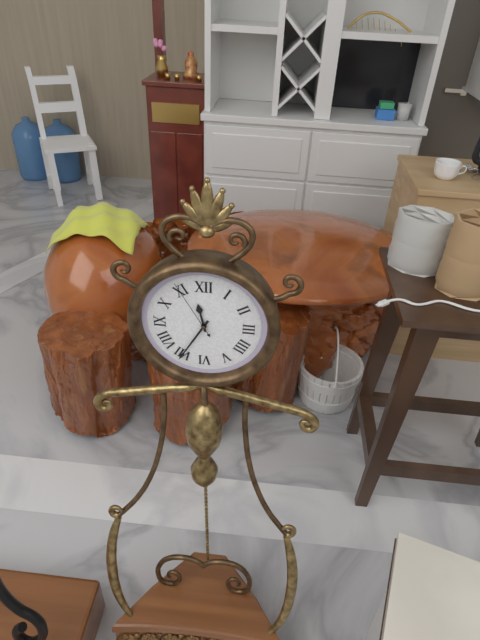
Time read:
11,35,55
